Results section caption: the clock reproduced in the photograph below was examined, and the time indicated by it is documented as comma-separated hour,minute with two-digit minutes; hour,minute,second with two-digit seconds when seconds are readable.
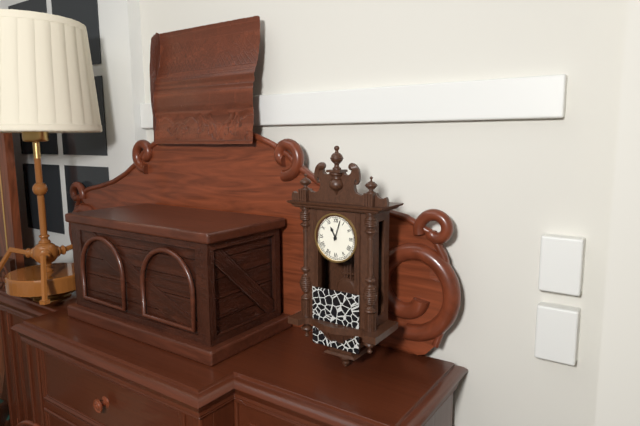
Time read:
11,03
